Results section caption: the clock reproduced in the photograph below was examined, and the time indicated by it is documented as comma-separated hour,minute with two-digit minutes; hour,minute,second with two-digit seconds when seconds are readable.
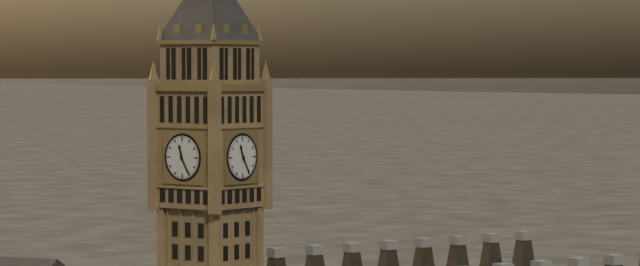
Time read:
11,25
